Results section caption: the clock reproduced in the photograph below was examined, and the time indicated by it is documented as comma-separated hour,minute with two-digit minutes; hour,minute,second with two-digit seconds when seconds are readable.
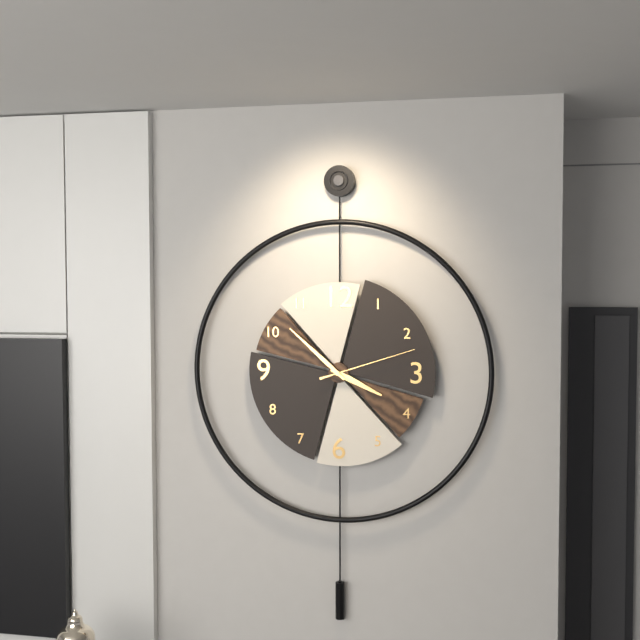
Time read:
3,52,12
